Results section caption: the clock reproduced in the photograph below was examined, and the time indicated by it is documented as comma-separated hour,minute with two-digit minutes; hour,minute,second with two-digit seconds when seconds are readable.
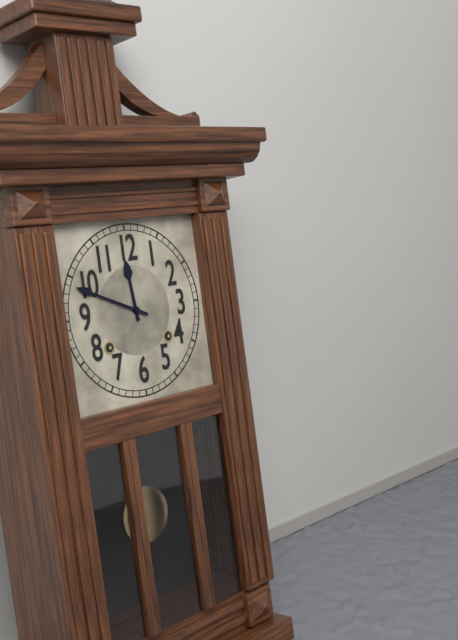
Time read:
11,49
